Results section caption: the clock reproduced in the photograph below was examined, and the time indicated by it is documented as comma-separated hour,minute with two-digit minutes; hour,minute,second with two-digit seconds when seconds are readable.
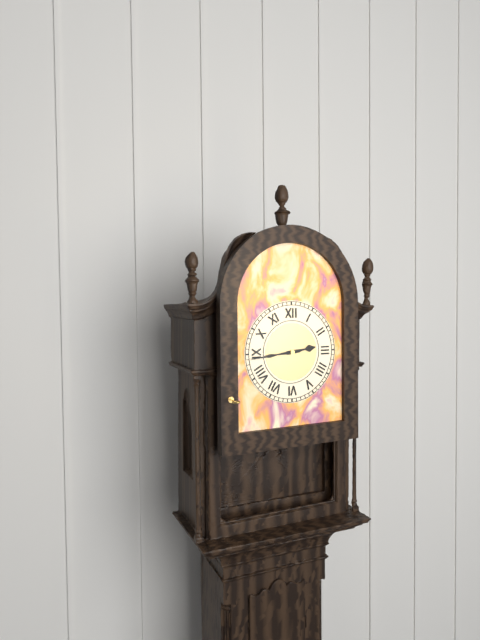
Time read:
2,44
